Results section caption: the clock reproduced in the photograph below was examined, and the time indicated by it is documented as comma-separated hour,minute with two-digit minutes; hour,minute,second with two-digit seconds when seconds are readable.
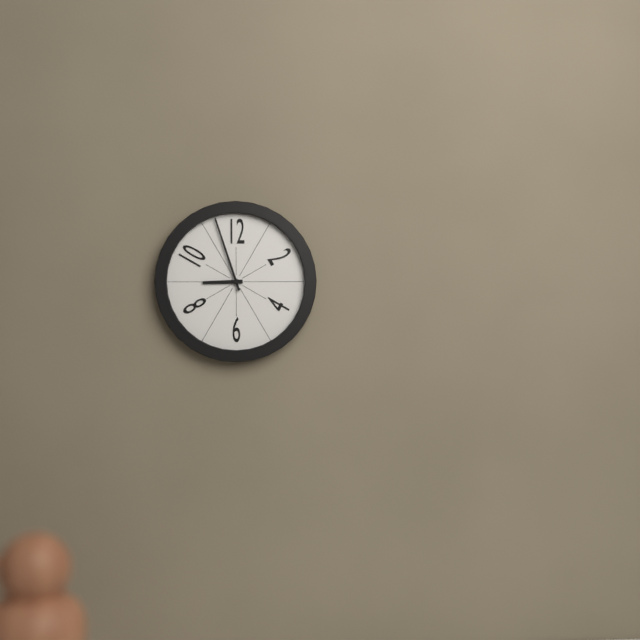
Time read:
8,57
